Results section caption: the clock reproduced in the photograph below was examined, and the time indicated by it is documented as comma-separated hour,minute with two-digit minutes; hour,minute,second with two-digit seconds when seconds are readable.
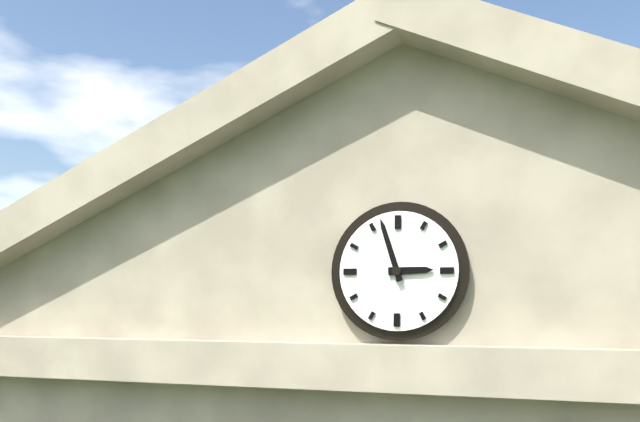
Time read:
2,57
